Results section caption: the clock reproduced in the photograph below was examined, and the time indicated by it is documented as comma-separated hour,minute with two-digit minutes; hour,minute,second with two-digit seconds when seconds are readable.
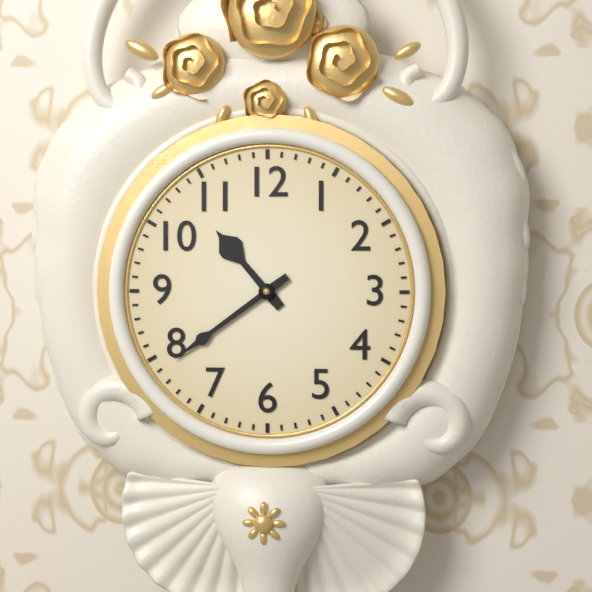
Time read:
10,39
